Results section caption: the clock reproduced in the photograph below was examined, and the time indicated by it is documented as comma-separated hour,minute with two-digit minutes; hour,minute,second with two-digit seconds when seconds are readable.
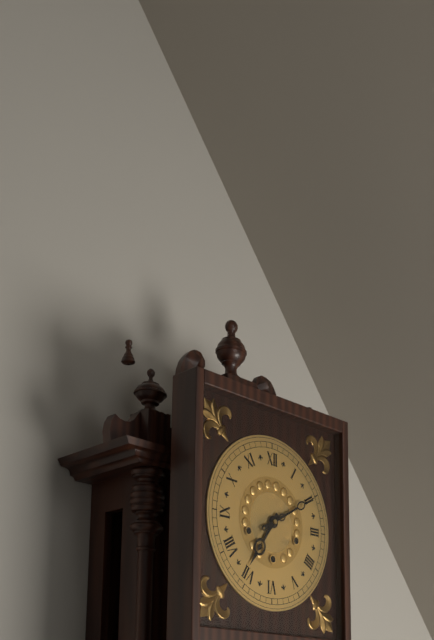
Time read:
7,10
